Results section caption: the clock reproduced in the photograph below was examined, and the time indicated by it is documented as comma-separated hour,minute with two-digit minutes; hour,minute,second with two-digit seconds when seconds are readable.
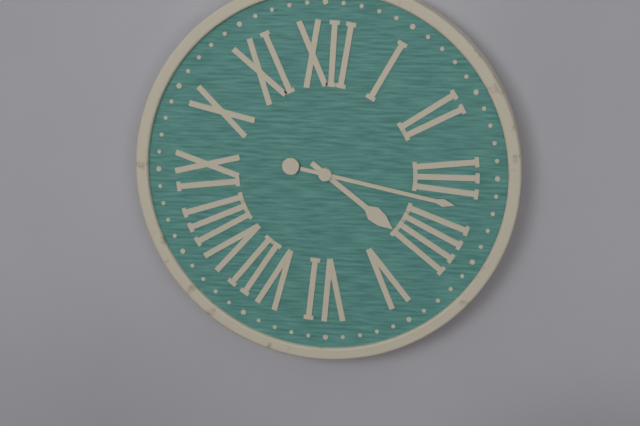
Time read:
4,17
